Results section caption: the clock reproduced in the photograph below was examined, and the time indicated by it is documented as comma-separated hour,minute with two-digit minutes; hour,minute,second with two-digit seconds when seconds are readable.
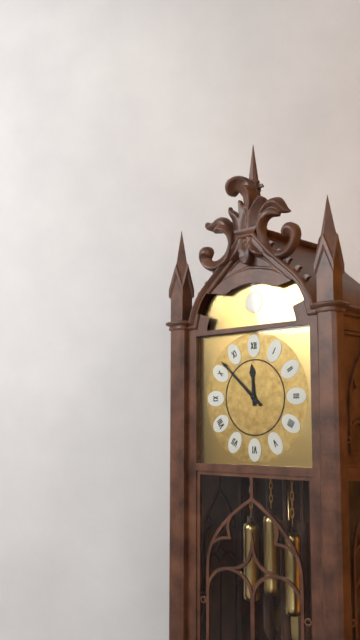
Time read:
11,52
